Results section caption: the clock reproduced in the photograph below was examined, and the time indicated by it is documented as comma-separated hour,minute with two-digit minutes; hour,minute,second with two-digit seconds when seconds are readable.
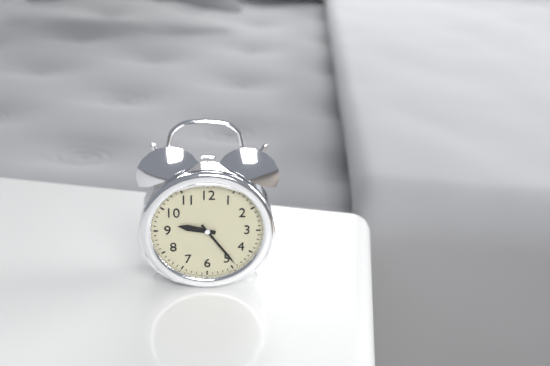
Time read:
9,24
